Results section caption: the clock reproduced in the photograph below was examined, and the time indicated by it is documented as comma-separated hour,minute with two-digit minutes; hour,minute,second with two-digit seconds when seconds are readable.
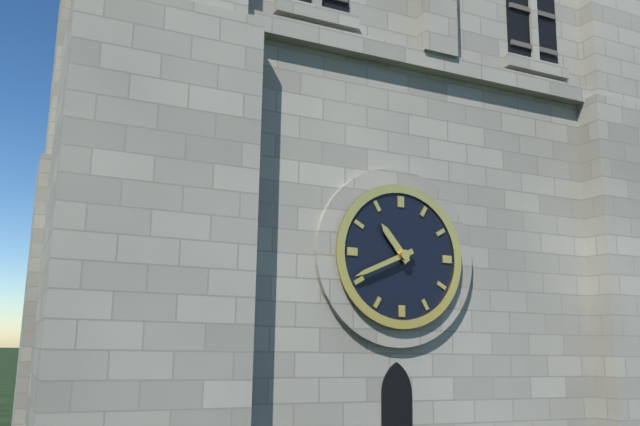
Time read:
10,41
